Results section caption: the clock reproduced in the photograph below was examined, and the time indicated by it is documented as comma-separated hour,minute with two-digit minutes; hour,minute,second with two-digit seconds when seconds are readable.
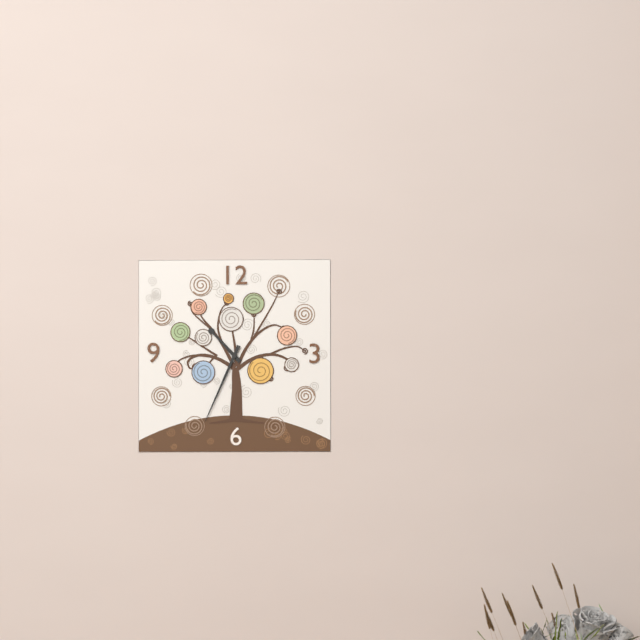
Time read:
10,34
